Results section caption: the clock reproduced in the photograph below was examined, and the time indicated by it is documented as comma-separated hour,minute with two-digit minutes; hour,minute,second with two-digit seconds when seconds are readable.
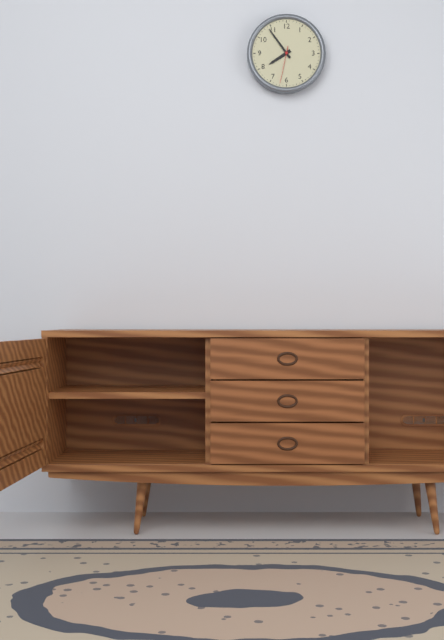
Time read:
7,54
